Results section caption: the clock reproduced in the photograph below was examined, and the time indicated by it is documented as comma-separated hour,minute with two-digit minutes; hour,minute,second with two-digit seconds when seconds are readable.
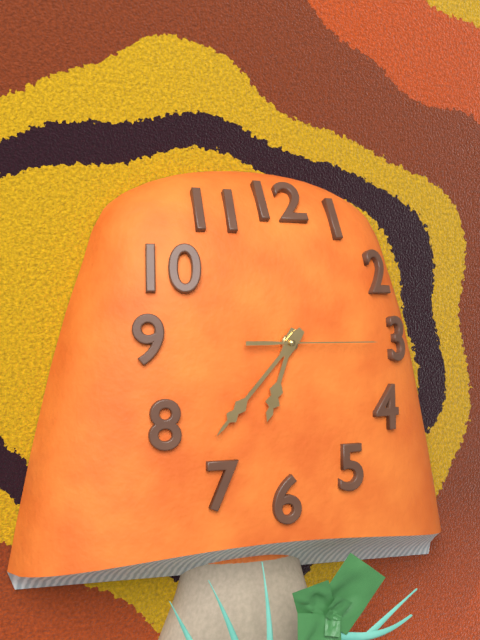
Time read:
6,37,15
